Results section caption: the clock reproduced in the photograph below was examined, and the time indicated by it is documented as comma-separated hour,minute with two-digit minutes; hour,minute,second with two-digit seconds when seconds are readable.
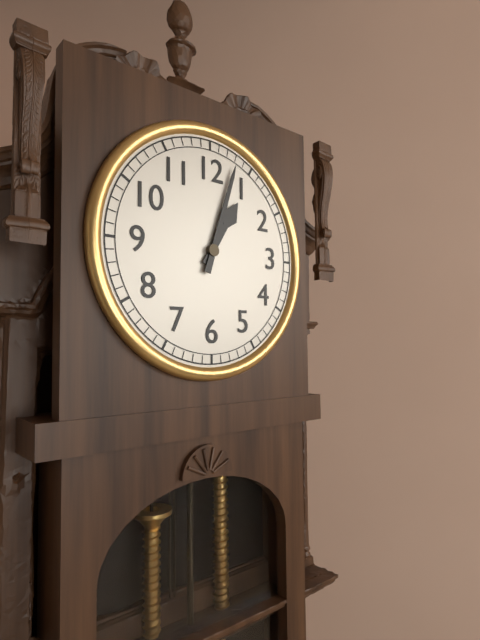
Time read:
1,03
